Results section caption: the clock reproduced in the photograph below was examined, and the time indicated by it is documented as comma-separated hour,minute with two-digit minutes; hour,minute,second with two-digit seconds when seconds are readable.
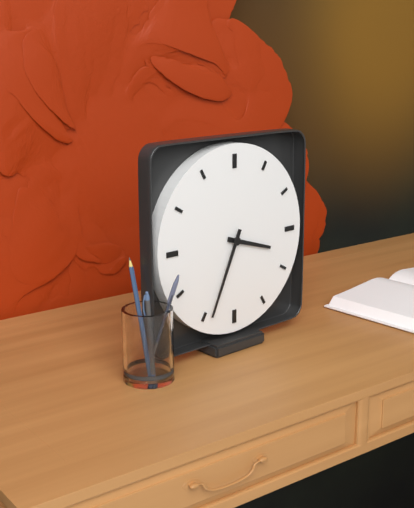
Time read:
3,34
